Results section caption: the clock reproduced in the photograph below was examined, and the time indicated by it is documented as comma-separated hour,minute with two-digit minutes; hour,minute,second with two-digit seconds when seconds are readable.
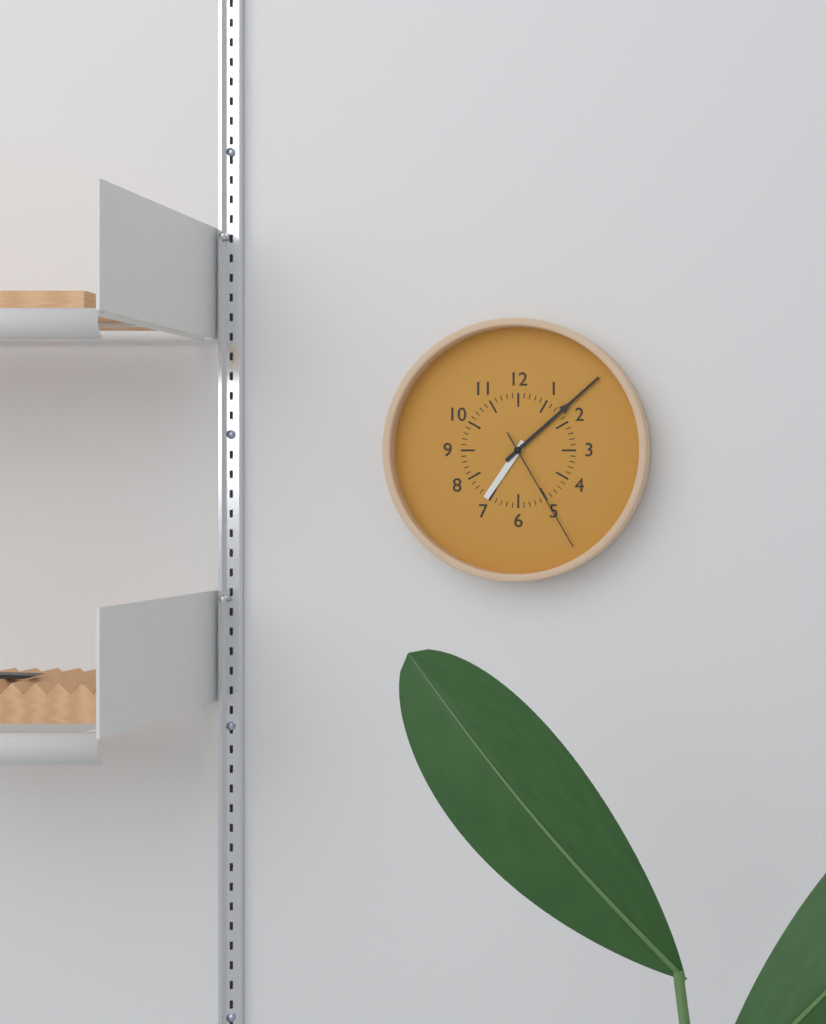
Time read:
7,08,25
